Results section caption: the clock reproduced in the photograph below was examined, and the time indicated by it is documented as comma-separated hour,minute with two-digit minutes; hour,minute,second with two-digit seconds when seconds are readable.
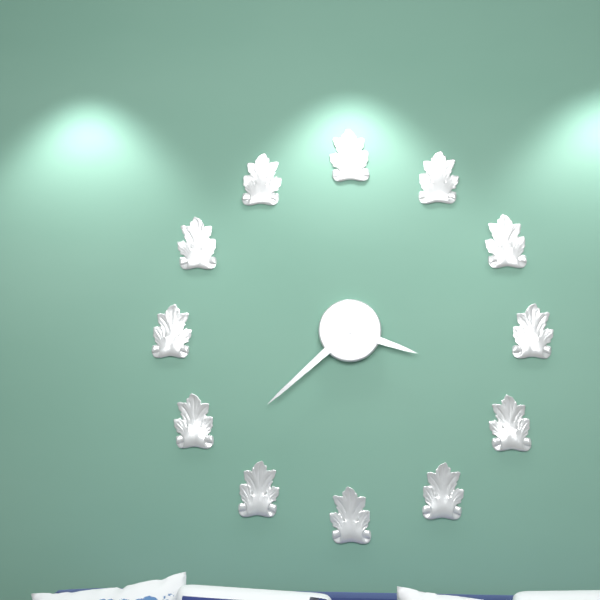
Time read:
3,38
